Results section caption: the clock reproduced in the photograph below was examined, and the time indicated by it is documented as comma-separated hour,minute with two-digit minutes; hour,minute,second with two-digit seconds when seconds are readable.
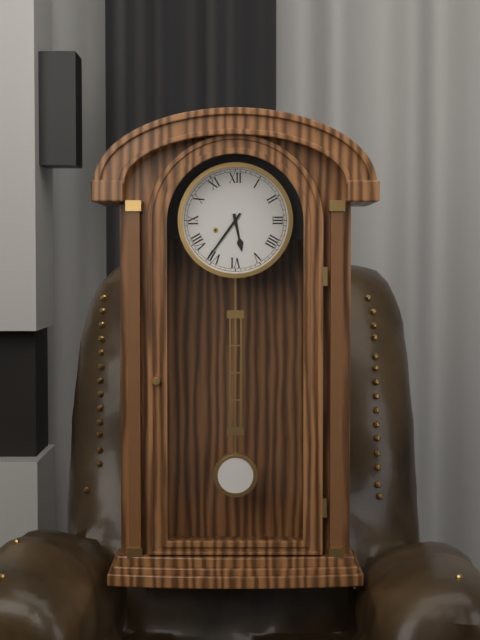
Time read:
5,36
